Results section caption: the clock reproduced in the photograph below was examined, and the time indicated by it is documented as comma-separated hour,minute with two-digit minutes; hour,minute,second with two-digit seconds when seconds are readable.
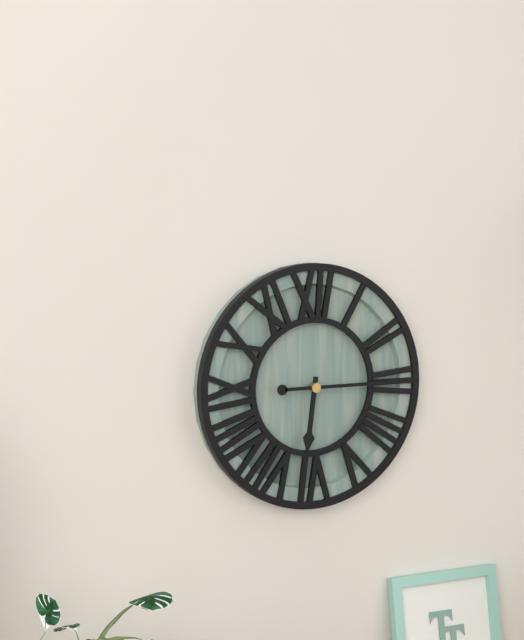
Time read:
6,15
